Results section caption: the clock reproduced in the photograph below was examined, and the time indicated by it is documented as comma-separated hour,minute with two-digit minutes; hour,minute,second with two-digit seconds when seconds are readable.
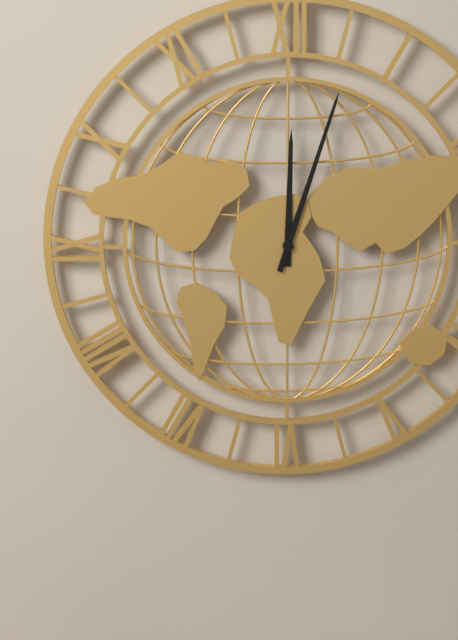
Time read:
12,03
